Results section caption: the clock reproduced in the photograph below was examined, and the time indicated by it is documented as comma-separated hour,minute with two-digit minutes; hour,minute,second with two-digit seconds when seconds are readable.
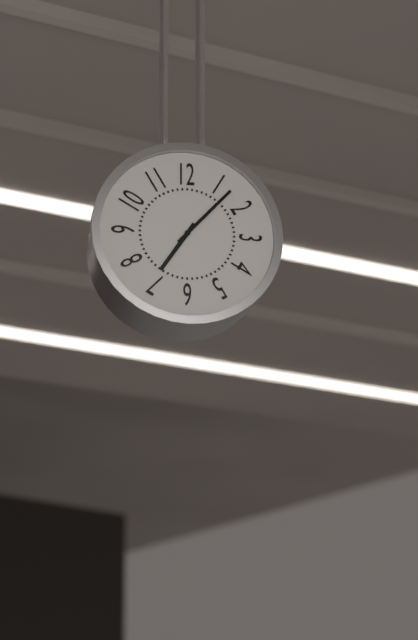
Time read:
7,07
